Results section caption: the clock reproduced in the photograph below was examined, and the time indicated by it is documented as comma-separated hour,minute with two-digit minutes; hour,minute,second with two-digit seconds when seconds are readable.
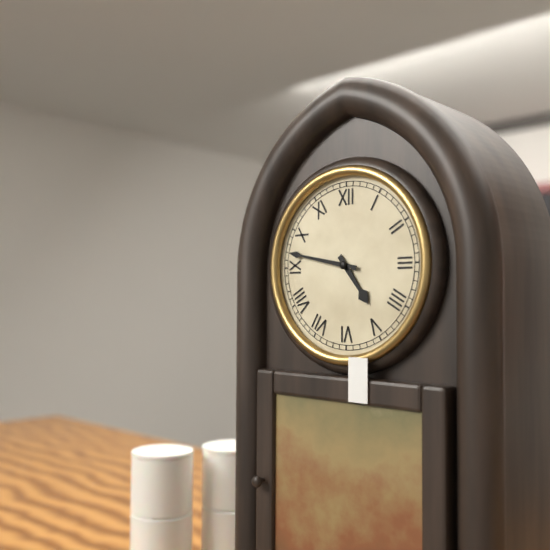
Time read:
4,47
